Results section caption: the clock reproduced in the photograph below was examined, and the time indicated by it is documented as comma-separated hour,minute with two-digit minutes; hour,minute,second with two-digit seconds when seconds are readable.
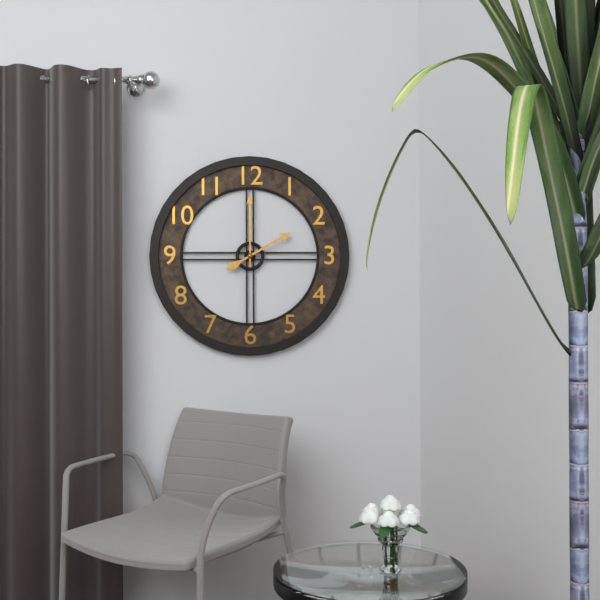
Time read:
2,00
